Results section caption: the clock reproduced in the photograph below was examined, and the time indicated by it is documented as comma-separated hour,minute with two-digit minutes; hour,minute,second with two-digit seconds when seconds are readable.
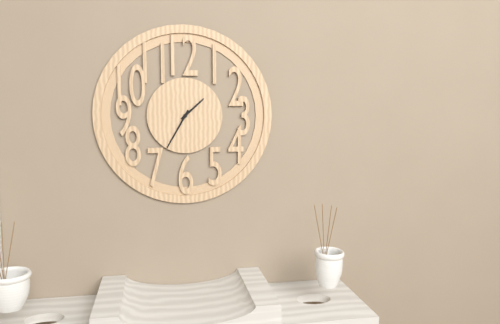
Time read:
1,35
